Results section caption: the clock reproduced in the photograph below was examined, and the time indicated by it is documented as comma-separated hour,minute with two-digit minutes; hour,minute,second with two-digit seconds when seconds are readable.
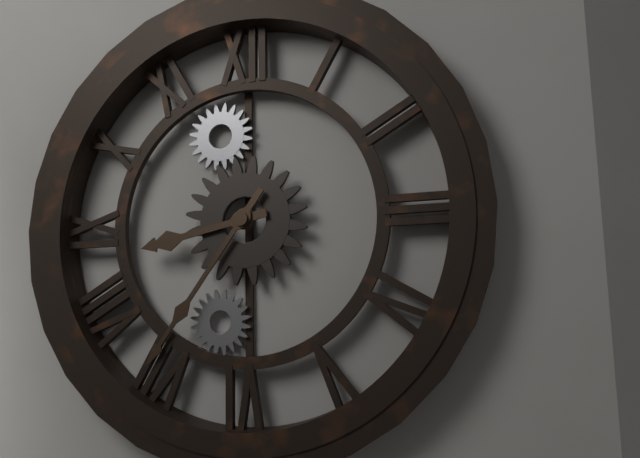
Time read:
8,36
